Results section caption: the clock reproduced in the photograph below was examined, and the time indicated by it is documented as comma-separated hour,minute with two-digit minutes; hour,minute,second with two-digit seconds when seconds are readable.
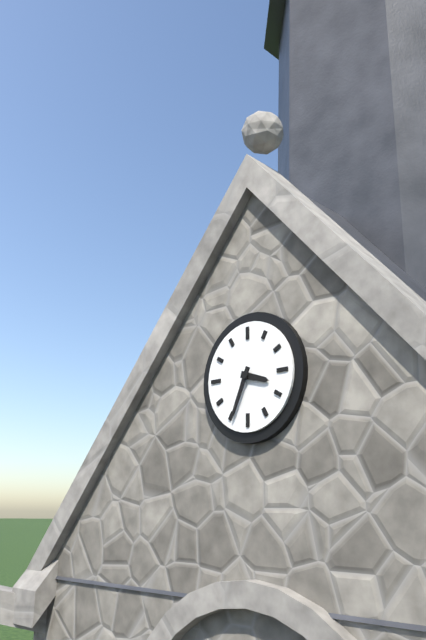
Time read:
3,34
